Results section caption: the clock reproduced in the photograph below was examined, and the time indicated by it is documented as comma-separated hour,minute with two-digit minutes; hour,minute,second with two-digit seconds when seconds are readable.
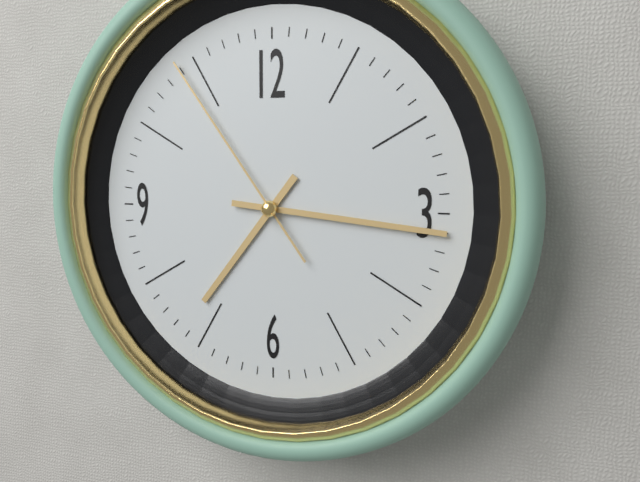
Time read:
7,16,54
